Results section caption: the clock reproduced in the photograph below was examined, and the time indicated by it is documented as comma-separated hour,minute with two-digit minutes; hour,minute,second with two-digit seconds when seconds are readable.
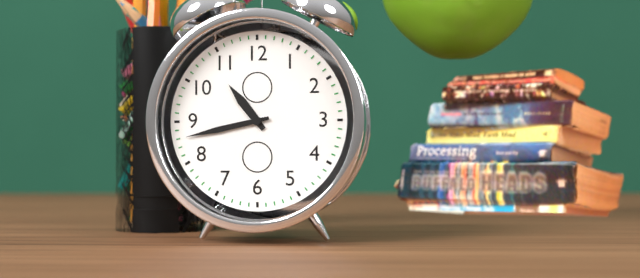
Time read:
10,43
